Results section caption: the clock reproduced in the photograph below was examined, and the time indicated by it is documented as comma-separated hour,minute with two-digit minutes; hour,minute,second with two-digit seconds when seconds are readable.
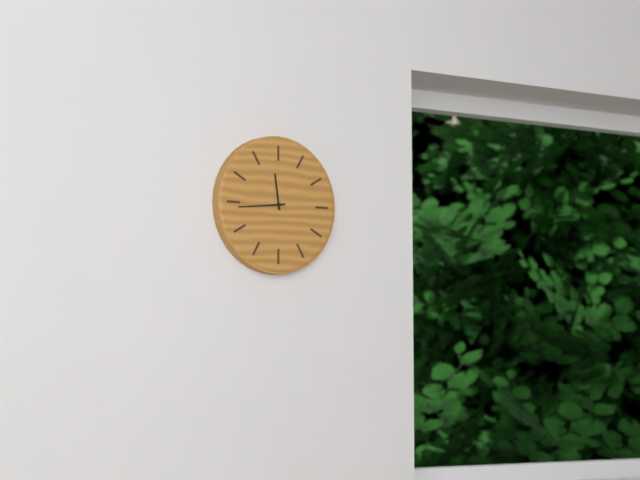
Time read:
11,44
